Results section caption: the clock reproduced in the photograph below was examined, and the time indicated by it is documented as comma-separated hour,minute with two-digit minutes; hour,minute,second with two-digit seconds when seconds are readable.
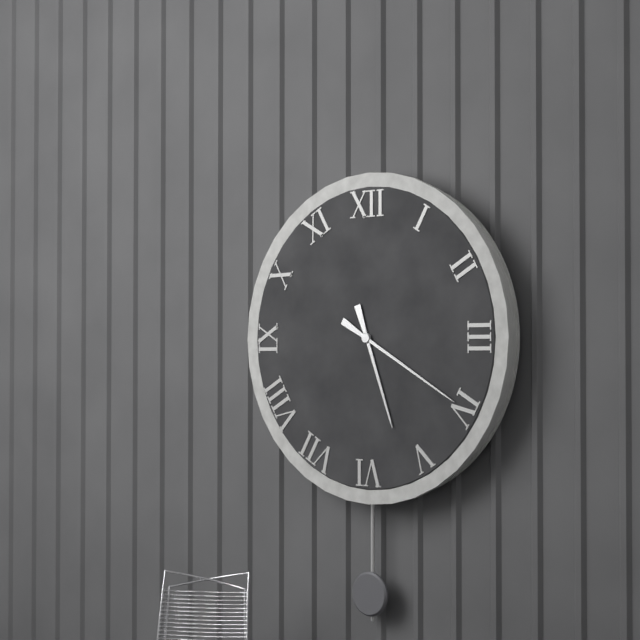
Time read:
5,20
